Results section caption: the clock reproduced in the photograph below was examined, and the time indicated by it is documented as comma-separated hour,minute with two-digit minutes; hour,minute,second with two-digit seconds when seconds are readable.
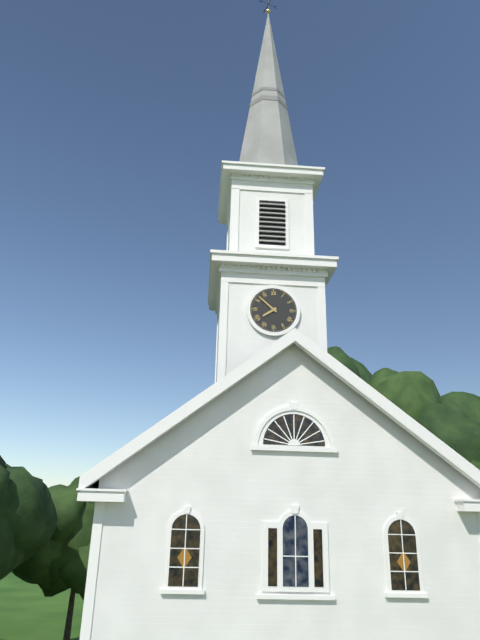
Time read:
7,52
